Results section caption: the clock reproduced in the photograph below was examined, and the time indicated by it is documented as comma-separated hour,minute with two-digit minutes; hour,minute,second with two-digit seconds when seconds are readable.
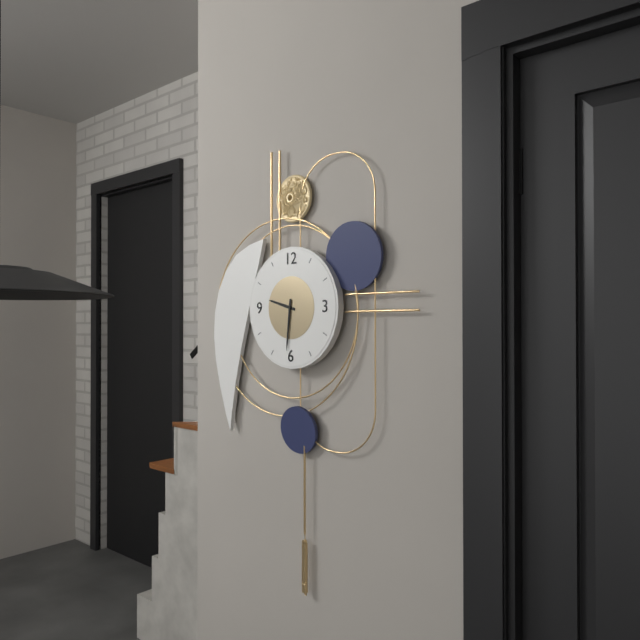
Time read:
9,31
